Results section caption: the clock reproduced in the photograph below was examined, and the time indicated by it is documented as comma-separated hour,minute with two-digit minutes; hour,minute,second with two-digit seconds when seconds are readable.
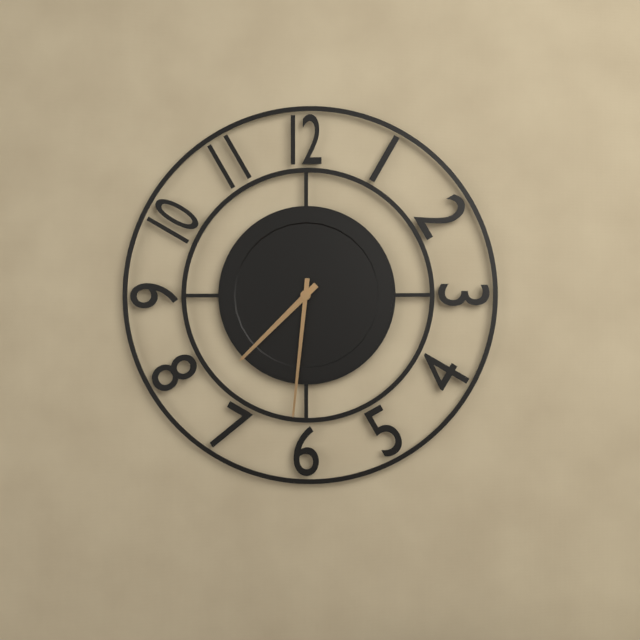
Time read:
7,31
